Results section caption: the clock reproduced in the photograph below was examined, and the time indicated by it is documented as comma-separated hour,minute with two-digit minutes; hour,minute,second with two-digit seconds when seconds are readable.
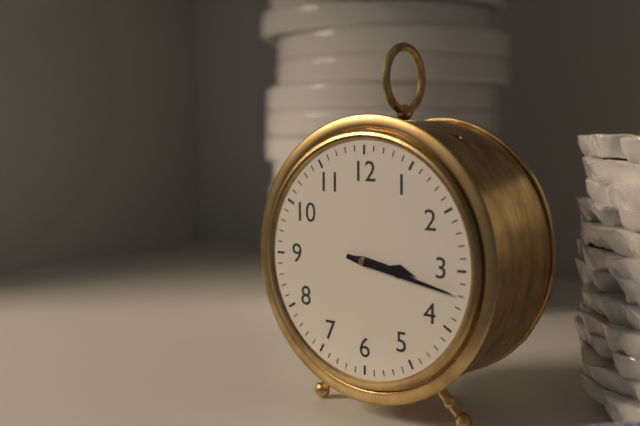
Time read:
3,17
